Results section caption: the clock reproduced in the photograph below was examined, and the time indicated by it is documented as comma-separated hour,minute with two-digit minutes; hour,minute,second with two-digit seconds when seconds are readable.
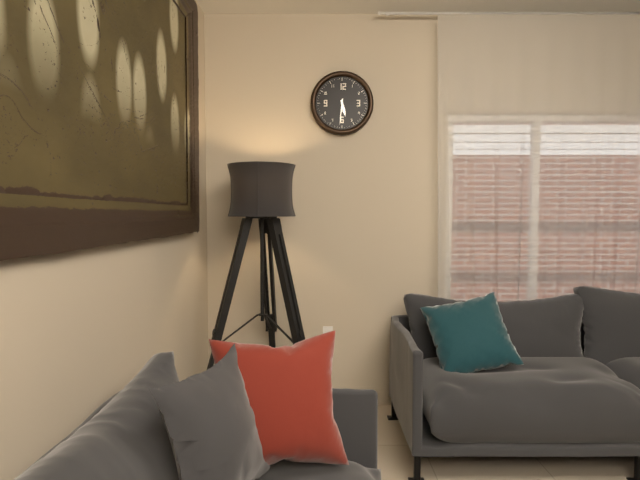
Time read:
5,31
